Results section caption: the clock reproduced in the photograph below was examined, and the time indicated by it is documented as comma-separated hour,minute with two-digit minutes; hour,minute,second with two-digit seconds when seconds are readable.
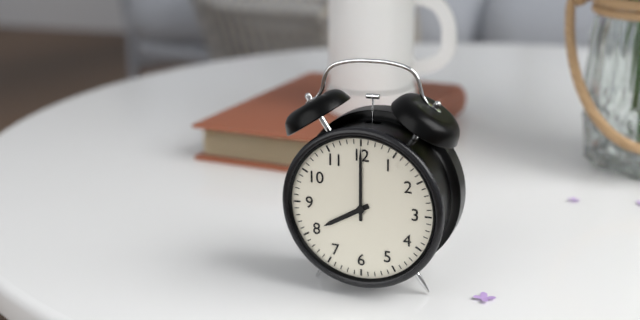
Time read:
8,00
